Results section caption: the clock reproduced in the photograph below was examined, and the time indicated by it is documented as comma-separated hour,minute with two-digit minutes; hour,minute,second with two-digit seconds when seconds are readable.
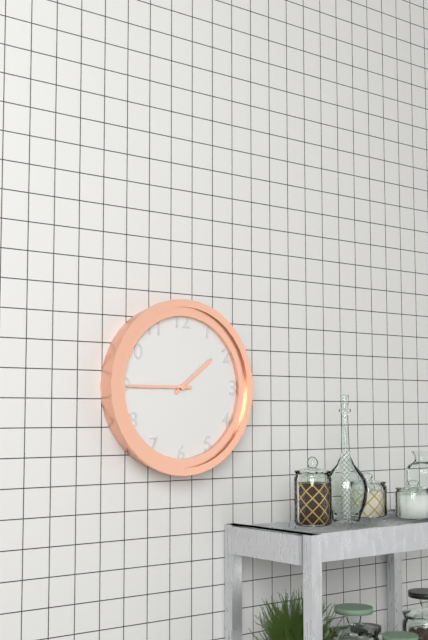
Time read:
1,45
